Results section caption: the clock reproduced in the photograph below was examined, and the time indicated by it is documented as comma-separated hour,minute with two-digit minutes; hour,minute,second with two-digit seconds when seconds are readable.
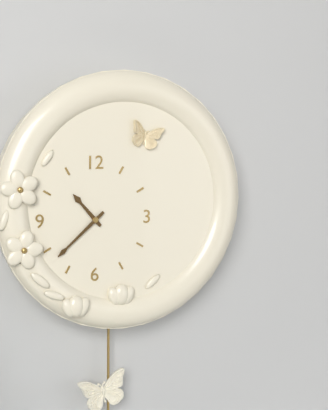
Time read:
10,38
